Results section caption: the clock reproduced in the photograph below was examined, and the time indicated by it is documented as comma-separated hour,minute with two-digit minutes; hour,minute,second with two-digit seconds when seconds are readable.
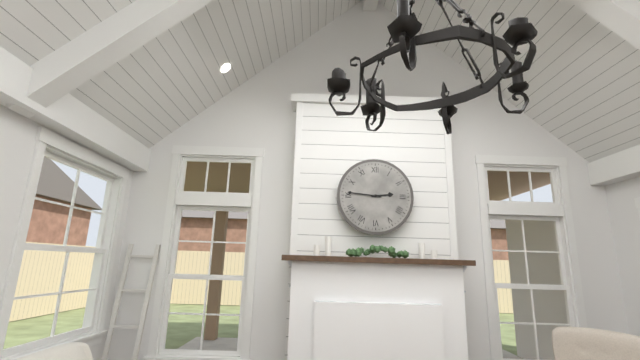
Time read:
2,46
